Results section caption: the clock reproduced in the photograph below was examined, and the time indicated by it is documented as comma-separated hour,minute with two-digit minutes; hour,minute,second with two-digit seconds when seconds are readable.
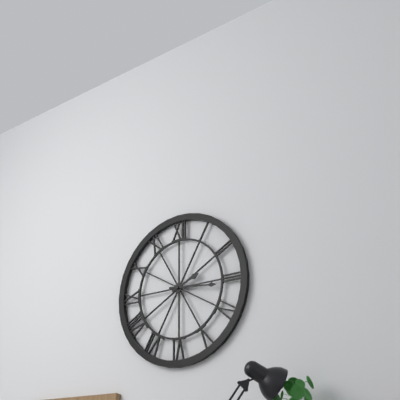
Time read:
2,16
